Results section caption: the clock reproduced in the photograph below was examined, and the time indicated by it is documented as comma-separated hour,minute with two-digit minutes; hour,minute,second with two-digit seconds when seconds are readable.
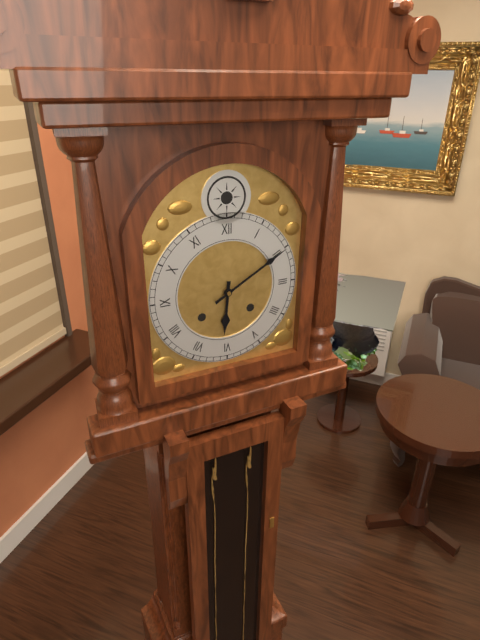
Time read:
6,10
